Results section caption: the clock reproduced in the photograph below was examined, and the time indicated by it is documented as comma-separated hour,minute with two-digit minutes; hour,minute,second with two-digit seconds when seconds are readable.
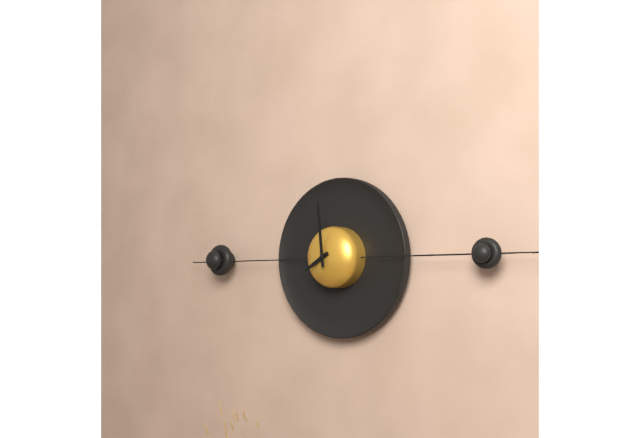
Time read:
7,59
